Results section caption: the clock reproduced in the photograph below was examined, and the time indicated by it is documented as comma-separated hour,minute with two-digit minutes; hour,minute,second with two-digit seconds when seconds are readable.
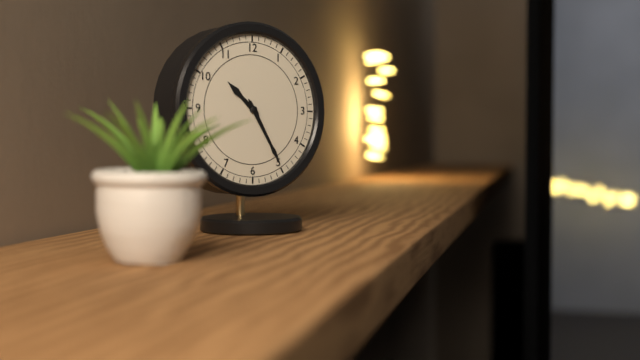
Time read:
10,25
